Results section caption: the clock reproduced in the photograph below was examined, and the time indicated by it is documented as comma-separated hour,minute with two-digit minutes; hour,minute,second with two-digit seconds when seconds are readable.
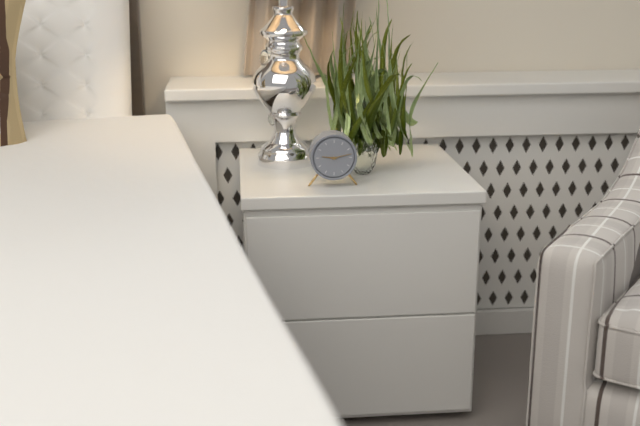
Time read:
9,13
